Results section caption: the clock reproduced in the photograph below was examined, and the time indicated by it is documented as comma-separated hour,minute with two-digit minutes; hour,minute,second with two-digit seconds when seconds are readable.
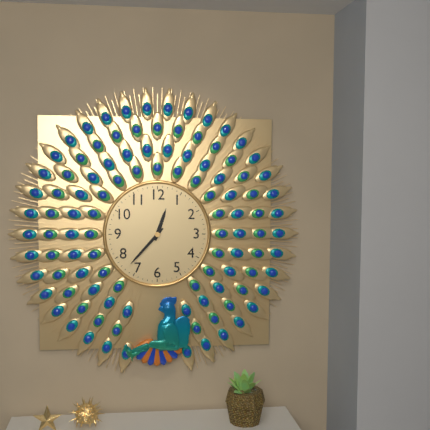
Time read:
12,37
